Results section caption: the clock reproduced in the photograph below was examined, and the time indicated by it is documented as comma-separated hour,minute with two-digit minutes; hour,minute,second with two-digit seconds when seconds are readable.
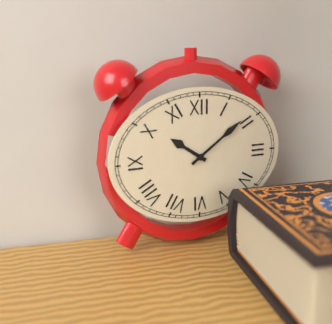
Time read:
10,09
